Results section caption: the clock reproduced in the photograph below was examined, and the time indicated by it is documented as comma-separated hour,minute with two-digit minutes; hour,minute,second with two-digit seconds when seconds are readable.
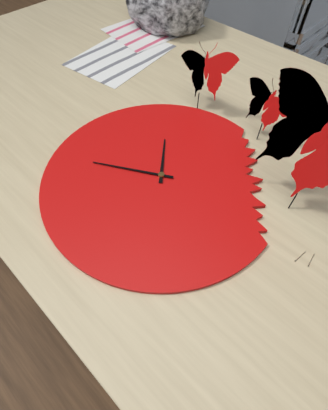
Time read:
10,40
